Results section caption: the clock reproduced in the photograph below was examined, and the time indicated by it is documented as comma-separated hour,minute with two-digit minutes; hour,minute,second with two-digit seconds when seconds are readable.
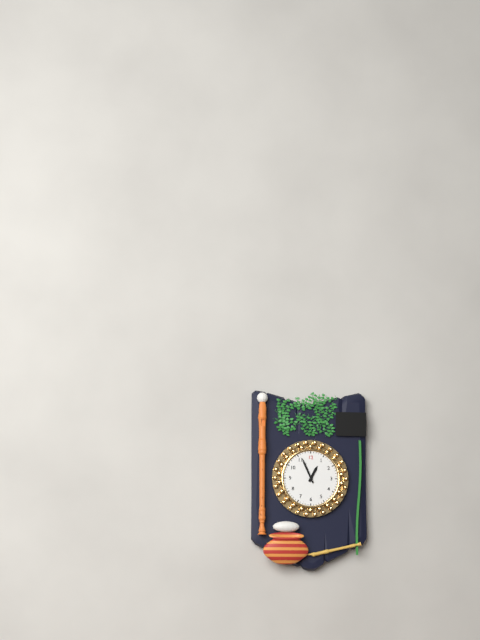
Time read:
12,56
